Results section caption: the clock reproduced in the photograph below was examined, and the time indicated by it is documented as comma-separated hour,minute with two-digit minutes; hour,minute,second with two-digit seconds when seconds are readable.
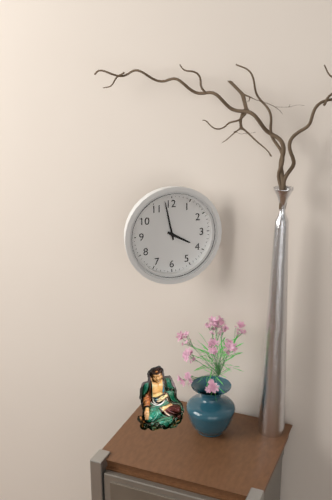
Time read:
3,58
